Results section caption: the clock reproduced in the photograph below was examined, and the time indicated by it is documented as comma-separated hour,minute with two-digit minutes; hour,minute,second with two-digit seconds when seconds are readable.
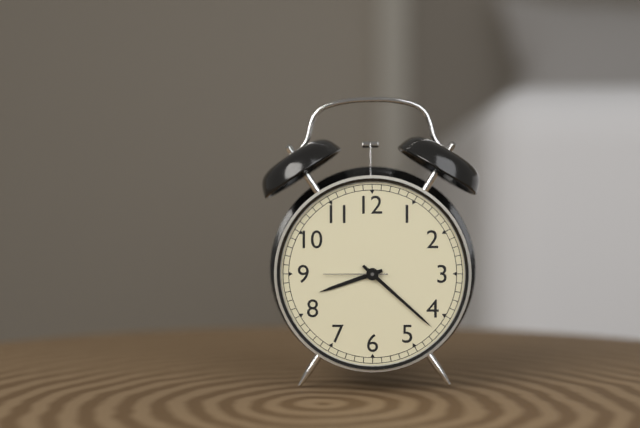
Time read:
8,22,45
